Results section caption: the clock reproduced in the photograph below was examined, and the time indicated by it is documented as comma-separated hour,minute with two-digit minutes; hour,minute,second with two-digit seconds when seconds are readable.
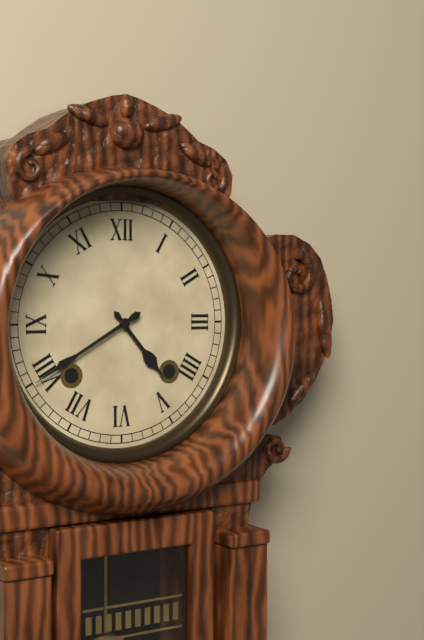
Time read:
4,40
